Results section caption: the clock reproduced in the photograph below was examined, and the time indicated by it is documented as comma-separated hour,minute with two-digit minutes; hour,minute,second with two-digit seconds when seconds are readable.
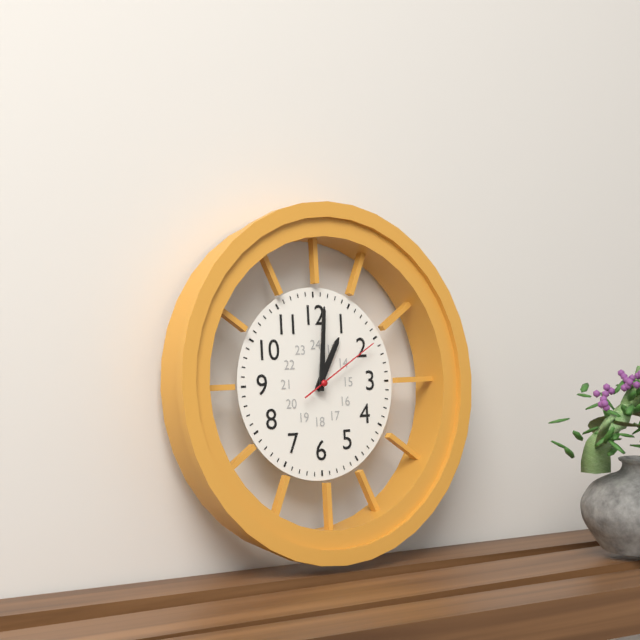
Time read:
1,01,10
